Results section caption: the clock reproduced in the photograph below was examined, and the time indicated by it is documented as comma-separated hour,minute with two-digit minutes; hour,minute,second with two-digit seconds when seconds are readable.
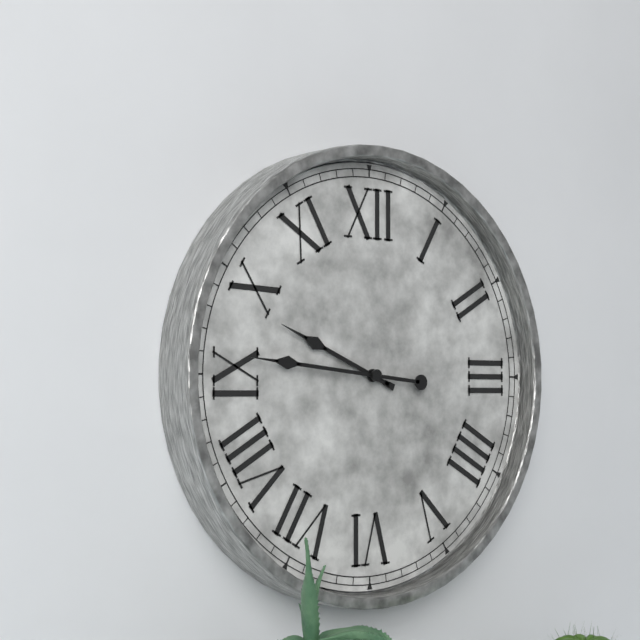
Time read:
9,46
